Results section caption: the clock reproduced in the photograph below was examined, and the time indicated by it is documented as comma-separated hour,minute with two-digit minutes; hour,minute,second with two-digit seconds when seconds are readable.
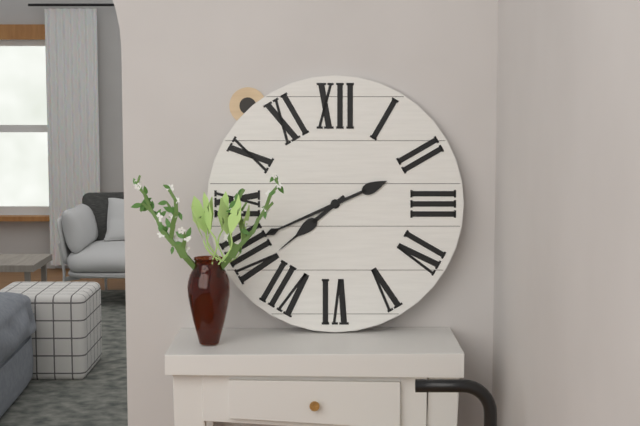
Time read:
7,41
